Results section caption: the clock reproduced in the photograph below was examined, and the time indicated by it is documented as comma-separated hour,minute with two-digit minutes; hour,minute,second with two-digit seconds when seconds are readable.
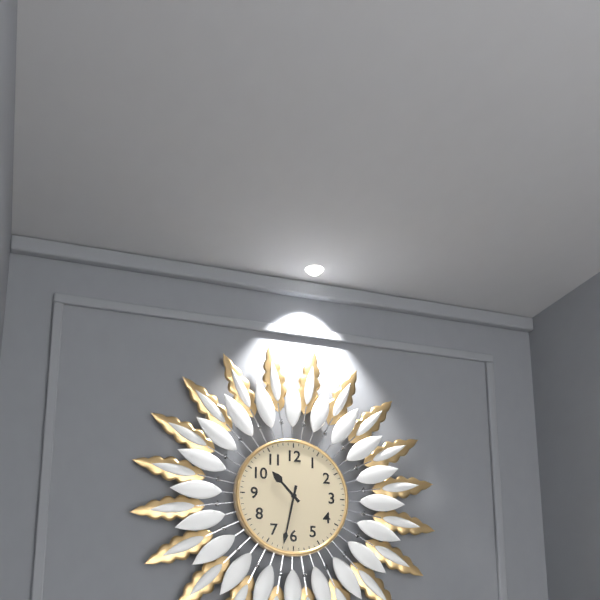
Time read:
10,32
